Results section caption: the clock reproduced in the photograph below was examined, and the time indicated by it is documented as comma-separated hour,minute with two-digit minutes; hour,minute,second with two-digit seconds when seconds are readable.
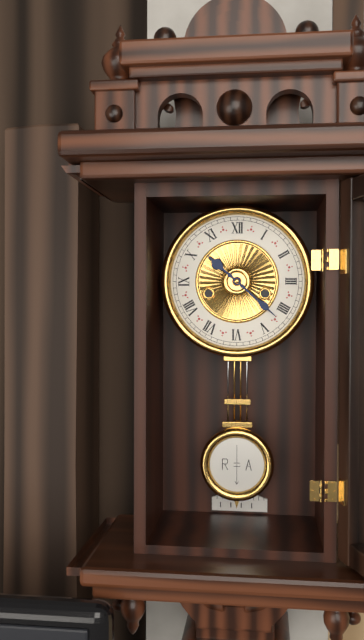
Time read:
10,22
